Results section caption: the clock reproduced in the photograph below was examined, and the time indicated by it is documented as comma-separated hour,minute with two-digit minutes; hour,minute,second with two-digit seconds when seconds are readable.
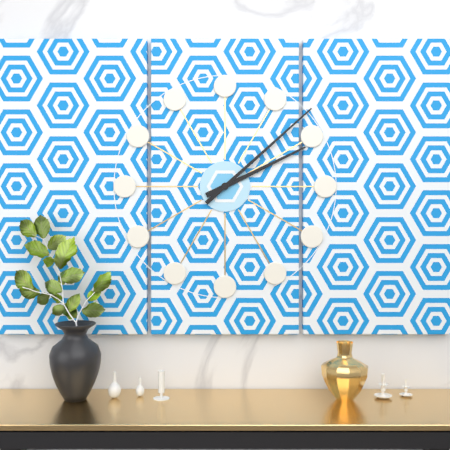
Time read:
2,08
